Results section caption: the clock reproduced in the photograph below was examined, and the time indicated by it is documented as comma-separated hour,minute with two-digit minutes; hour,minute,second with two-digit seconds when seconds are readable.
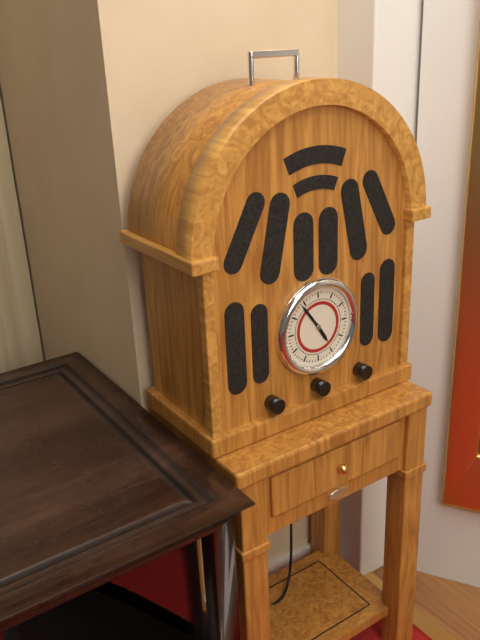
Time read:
4,54
